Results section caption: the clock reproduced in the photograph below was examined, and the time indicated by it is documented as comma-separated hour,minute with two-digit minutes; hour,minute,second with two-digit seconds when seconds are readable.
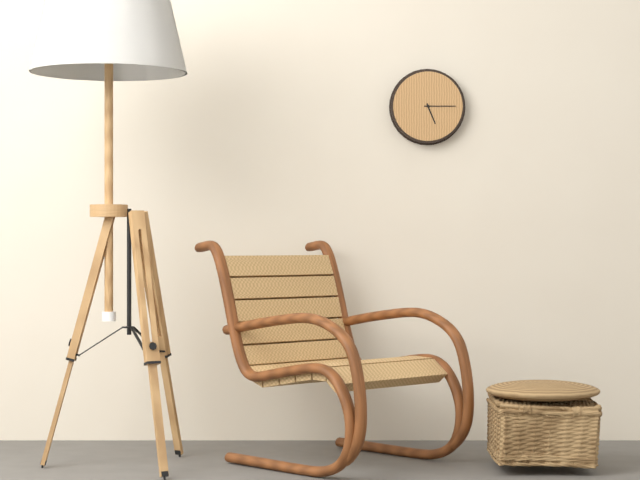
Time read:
5,15
